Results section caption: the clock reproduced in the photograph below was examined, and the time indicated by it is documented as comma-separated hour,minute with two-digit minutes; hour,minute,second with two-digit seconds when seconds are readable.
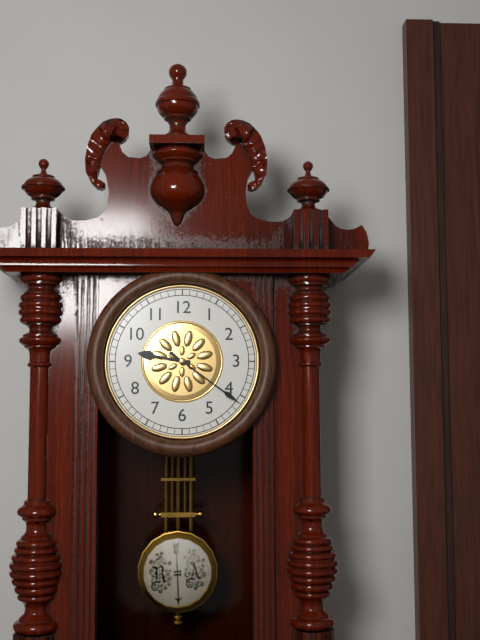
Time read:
9,21
